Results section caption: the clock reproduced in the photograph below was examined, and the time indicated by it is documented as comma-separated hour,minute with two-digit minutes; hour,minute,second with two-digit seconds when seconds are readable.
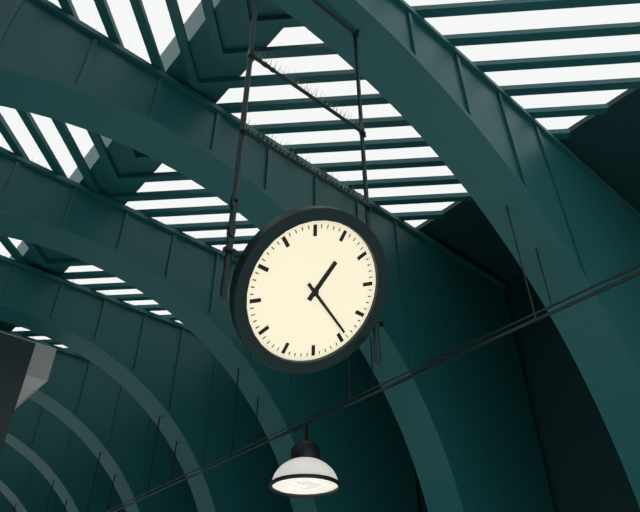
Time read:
12,19
